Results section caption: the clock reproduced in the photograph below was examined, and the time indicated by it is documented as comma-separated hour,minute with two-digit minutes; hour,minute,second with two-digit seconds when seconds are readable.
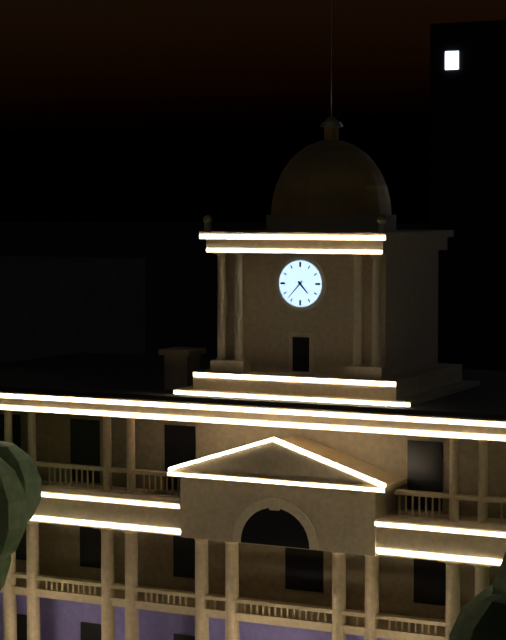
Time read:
4,37
